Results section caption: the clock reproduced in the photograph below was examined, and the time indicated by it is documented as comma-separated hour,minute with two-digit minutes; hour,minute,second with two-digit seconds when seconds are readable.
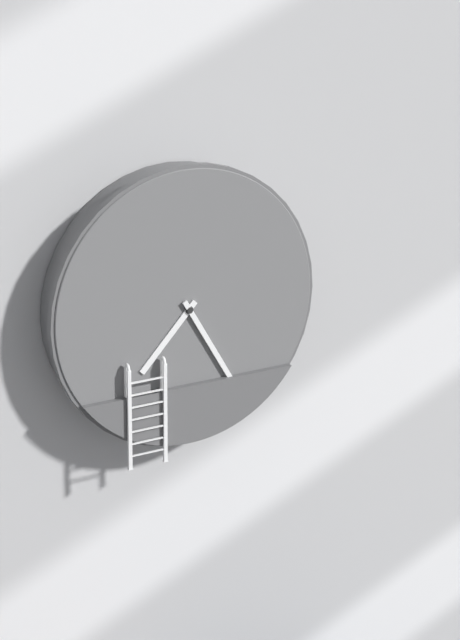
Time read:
7,25
